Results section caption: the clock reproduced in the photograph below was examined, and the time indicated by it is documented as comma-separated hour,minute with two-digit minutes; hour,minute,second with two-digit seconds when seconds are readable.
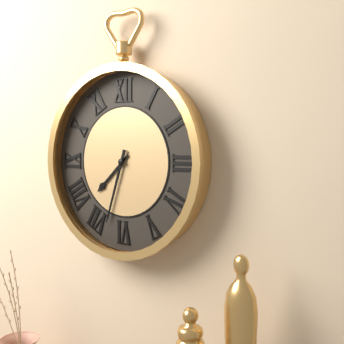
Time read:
7,33
